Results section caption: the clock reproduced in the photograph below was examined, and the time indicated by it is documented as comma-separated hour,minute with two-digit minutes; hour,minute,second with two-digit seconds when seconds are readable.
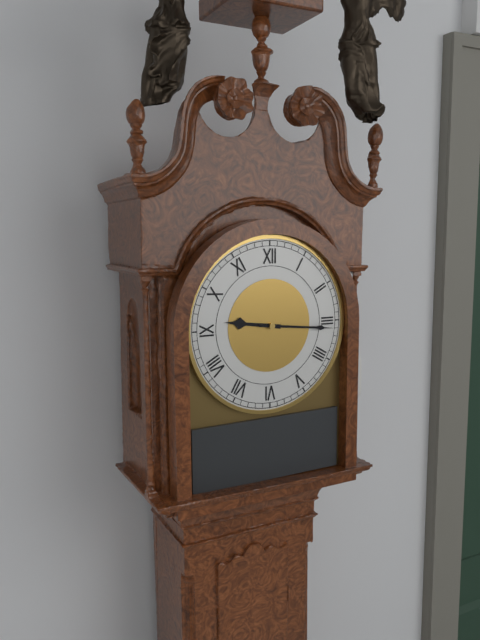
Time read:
9,16
